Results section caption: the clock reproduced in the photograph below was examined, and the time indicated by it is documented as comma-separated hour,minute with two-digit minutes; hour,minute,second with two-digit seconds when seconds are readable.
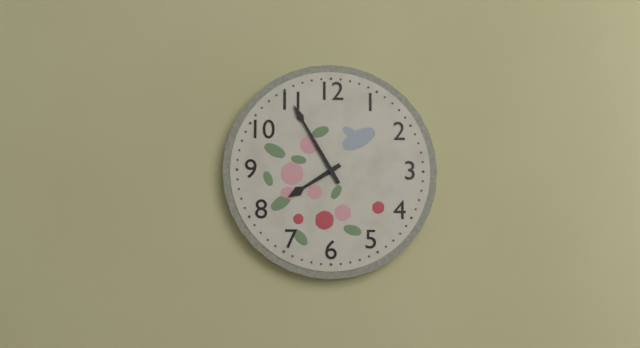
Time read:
7,55
